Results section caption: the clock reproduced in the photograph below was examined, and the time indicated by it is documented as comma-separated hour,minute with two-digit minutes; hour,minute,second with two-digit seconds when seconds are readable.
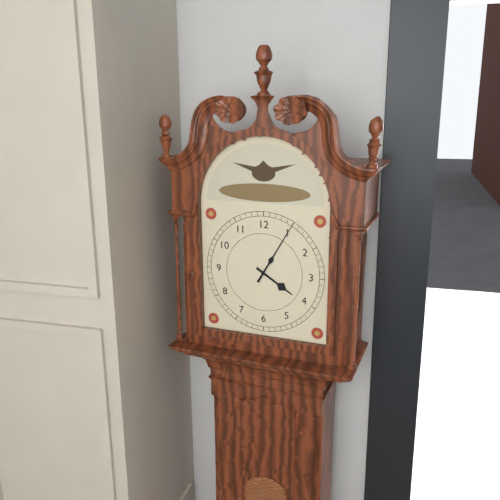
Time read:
4,05
